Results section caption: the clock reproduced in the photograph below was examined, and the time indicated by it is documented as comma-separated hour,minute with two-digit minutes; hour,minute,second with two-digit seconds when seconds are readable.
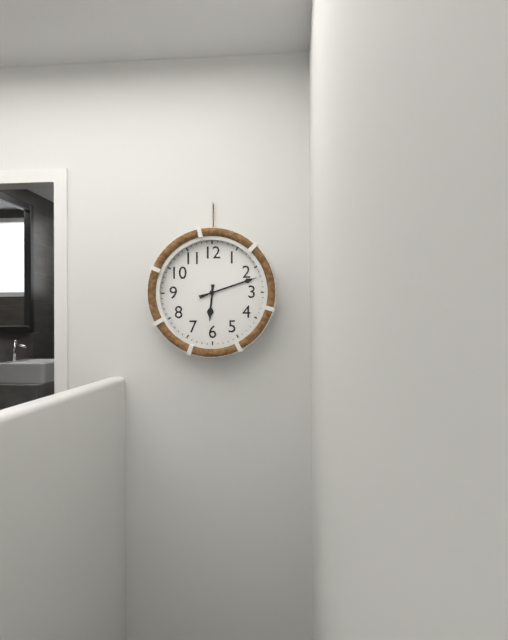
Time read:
6,12
